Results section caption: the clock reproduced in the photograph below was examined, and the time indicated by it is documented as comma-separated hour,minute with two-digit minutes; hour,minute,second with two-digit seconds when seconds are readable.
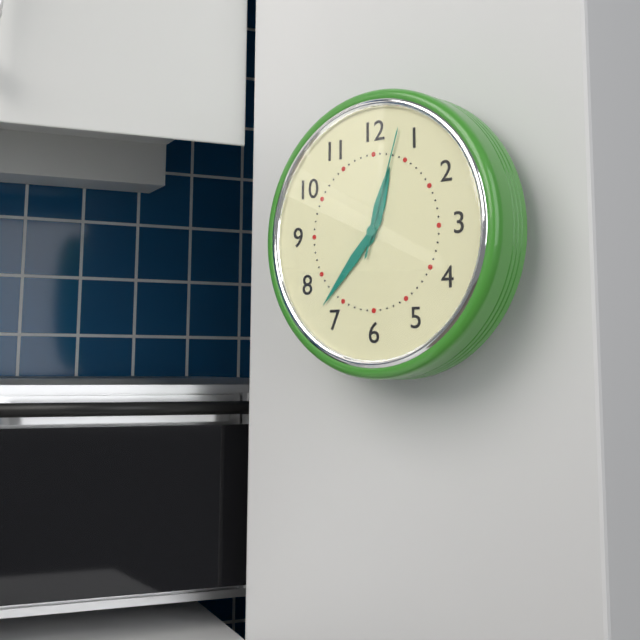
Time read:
12,37,03
